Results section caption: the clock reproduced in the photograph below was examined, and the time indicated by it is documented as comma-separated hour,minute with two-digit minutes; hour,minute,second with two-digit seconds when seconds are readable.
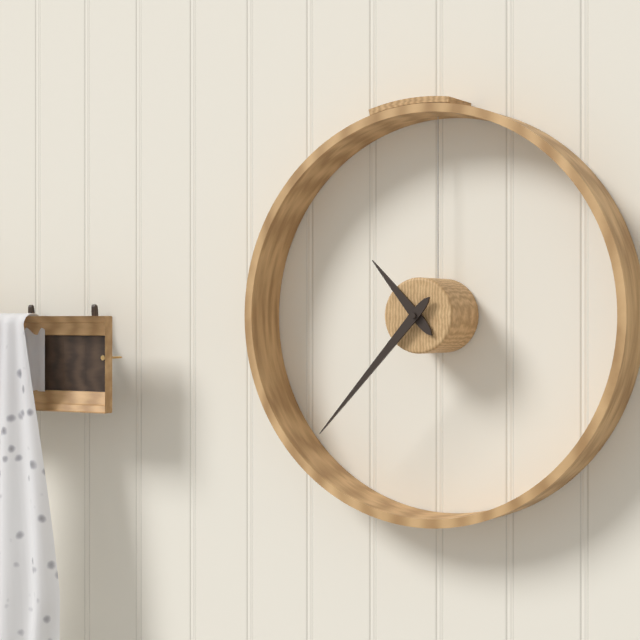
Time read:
10,37
